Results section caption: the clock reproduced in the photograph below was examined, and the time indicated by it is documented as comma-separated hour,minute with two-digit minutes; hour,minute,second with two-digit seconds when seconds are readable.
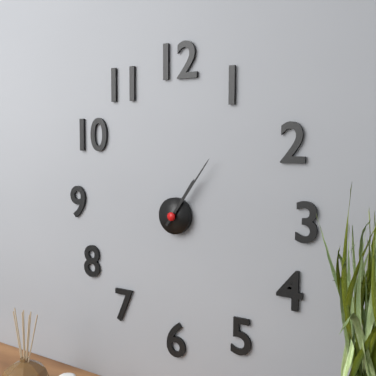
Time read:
1,06
